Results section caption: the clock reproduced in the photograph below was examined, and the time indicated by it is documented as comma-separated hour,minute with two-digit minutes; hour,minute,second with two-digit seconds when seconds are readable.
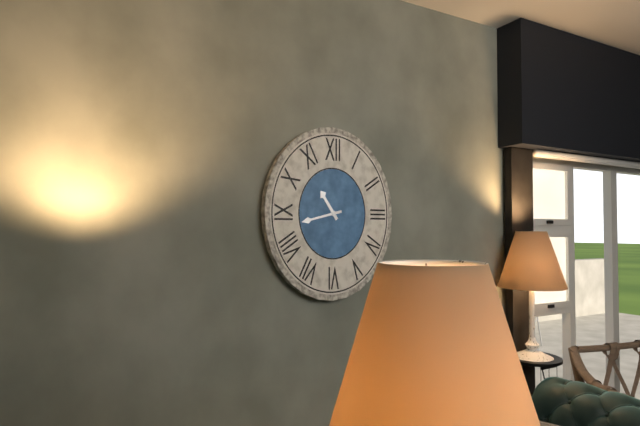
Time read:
10,43
